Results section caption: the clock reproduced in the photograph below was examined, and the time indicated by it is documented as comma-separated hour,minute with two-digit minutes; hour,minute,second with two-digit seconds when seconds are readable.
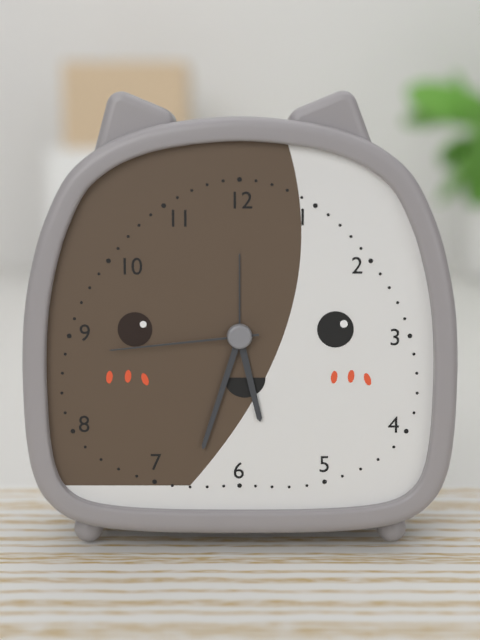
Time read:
5,33,44
